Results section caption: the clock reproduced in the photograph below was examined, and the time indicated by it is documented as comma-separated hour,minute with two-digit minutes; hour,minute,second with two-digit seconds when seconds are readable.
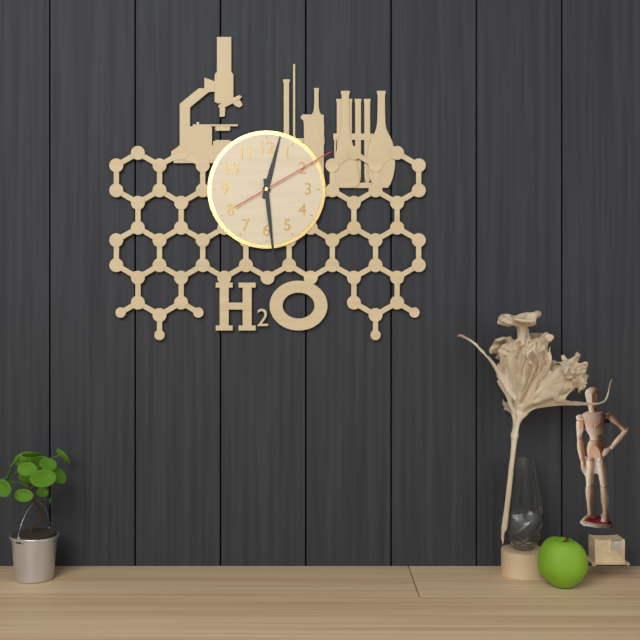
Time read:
12,29,10
